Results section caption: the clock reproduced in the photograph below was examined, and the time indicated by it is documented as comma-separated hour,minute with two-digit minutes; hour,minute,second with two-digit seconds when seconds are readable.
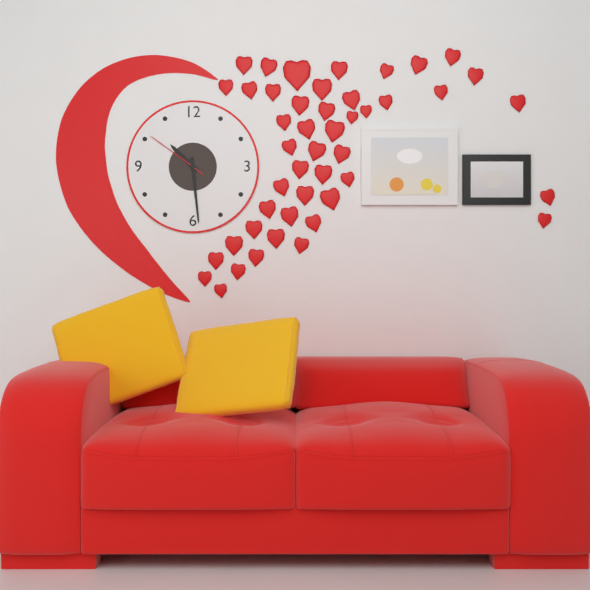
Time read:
10,29,51
